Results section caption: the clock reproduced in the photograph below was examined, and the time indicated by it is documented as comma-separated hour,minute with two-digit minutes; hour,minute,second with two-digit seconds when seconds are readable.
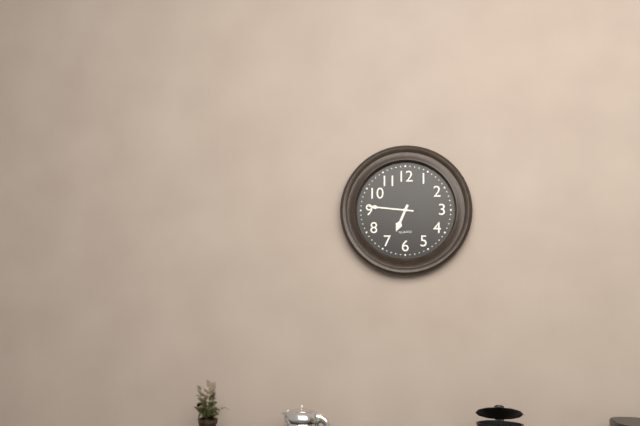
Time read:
6,46
